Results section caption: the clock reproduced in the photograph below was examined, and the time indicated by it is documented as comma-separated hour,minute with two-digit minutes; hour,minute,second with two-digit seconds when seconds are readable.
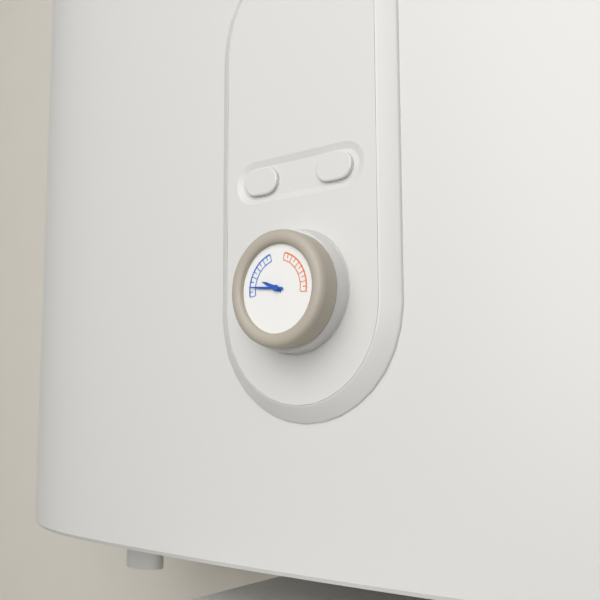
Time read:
9,46
